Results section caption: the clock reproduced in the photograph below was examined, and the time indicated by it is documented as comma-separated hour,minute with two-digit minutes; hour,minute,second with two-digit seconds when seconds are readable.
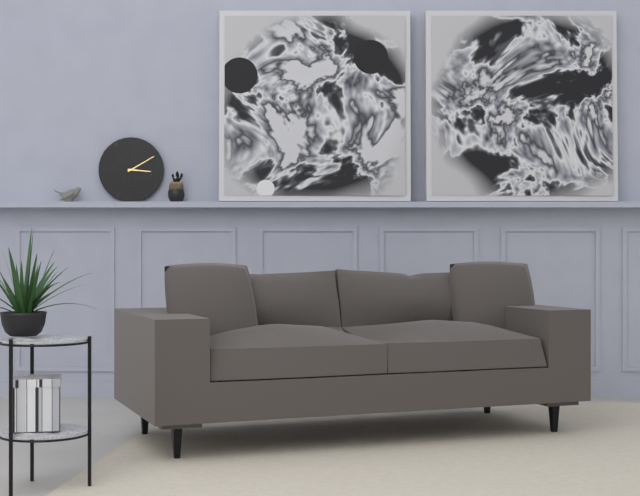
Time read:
3,10
